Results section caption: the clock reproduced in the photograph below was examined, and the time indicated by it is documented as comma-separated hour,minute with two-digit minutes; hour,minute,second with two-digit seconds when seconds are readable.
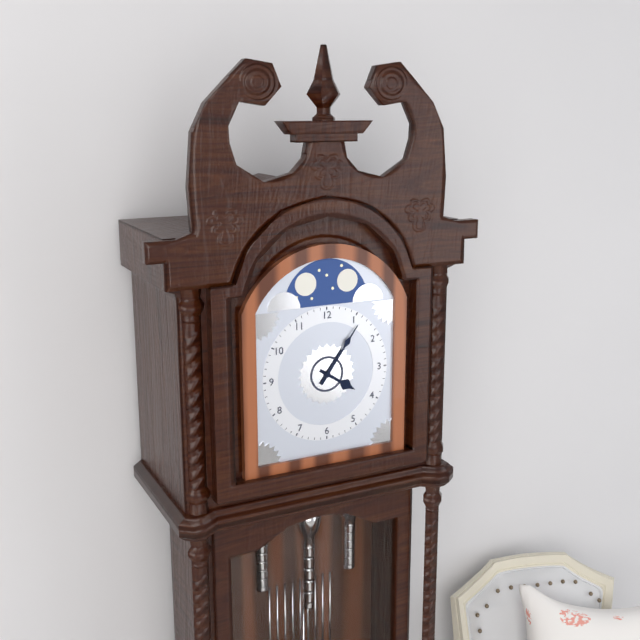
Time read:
4,06
